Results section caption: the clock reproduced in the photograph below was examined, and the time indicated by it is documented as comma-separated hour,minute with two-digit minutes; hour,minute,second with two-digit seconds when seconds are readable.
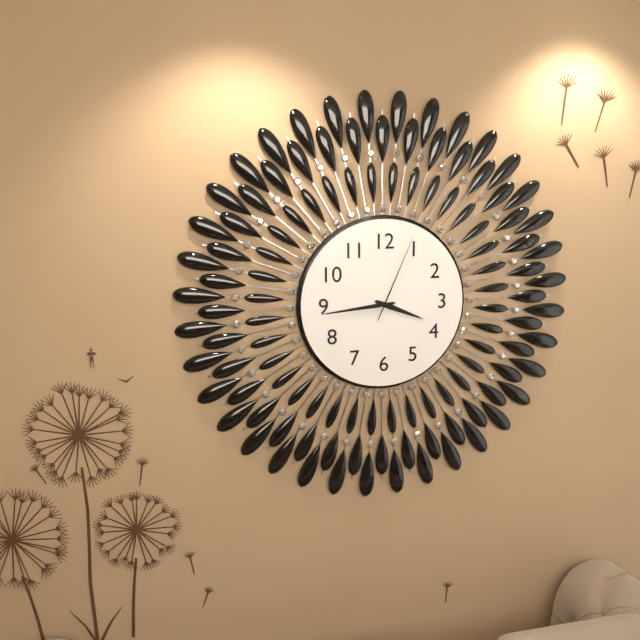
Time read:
3,44,04
